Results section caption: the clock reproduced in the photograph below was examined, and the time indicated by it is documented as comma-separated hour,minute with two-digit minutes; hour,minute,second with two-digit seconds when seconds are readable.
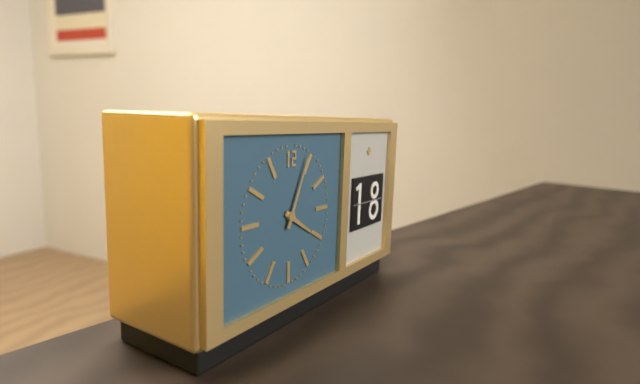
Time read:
4,04
